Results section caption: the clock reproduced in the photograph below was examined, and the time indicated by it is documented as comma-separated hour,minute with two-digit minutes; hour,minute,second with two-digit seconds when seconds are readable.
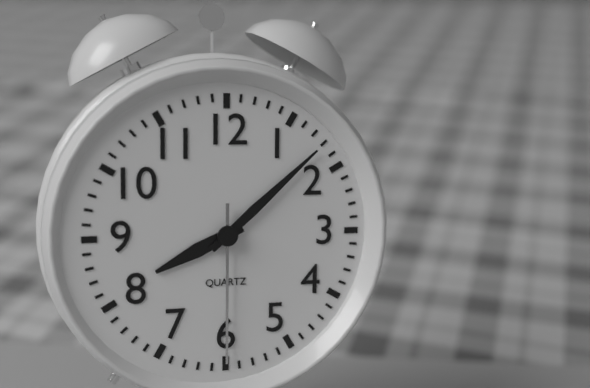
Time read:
8,08,30
